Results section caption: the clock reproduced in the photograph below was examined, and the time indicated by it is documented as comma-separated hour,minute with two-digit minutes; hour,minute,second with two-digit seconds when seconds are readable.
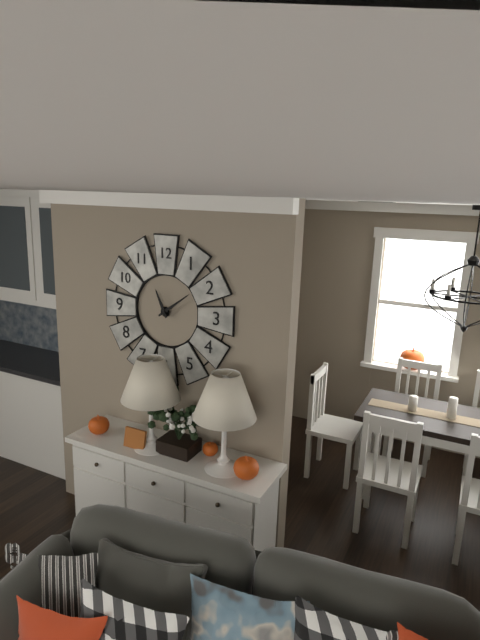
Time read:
11,09
